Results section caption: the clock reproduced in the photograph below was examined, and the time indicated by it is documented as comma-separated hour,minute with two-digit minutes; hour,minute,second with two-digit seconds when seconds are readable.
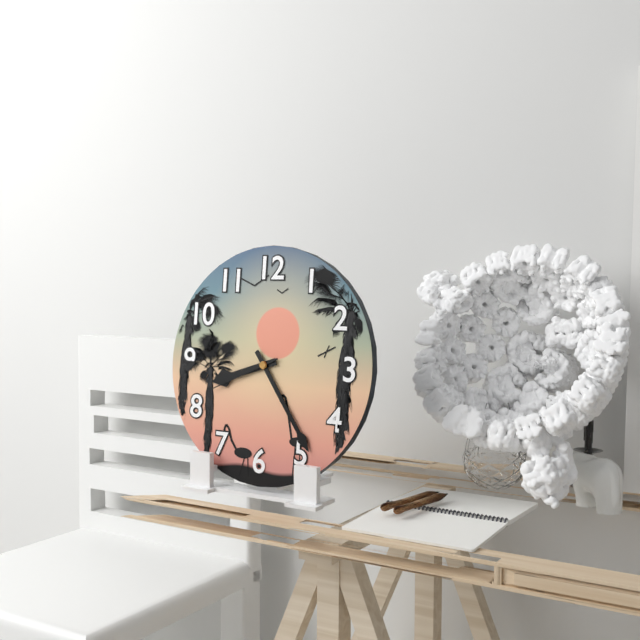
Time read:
8,24,41
